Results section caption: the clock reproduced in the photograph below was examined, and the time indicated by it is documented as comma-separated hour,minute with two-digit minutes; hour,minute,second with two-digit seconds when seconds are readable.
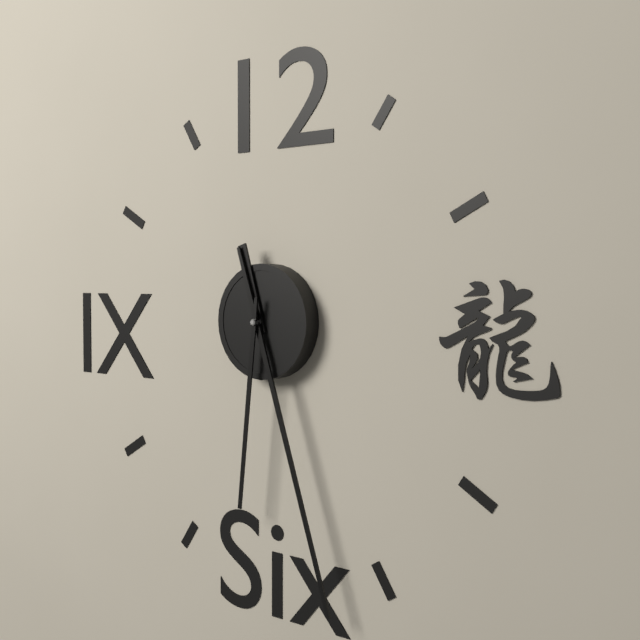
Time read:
11,27,31
